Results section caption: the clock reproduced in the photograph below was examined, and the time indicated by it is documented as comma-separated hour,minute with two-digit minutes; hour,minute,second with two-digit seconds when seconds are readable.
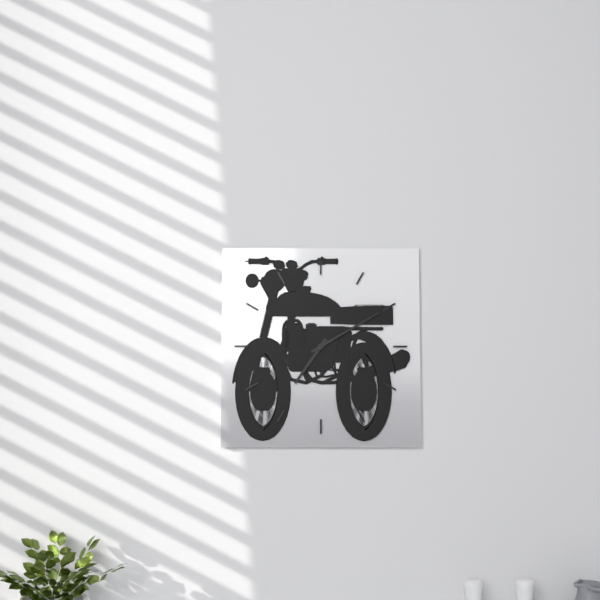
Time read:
7,10
